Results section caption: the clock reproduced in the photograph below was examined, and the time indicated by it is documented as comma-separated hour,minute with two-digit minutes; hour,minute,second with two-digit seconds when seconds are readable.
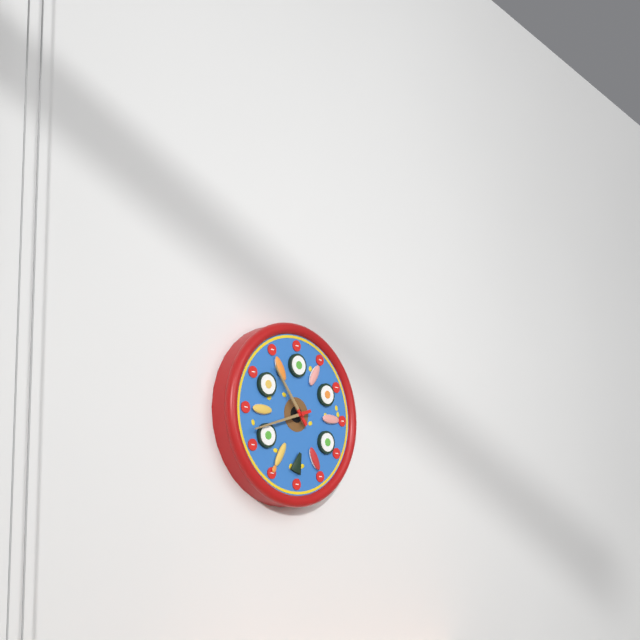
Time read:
10,42
